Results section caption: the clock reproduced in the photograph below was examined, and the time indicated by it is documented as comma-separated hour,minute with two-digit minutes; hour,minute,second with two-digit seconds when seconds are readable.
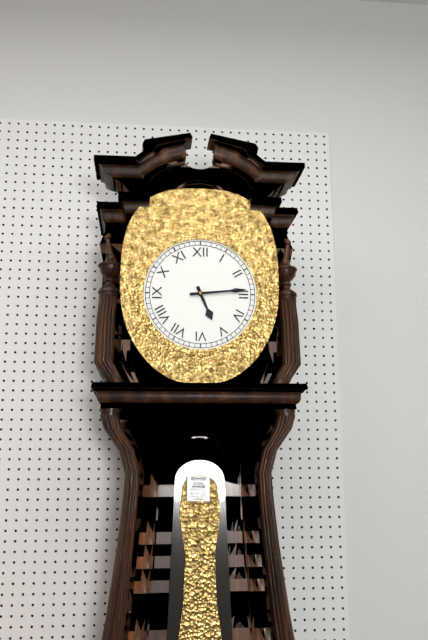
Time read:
5,14
